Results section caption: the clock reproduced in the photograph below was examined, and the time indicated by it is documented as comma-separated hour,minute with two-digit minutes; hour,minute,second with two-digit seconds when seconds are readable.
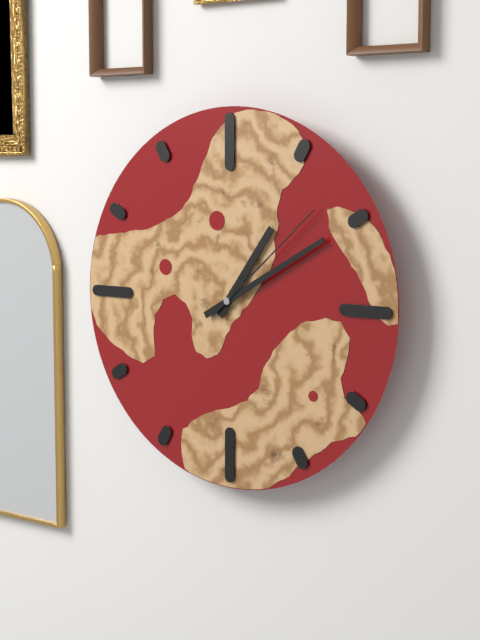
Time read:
1,10,08
